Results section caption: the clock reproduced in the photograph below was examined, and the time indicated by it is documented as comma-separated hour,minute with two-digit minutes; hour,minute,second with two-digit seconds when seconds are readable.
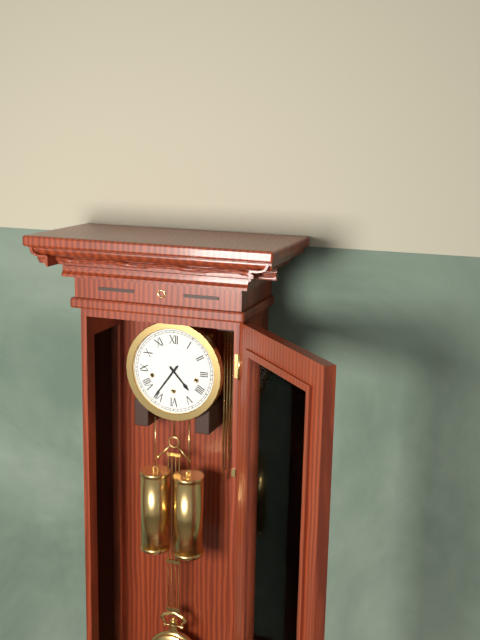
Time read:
4,36
